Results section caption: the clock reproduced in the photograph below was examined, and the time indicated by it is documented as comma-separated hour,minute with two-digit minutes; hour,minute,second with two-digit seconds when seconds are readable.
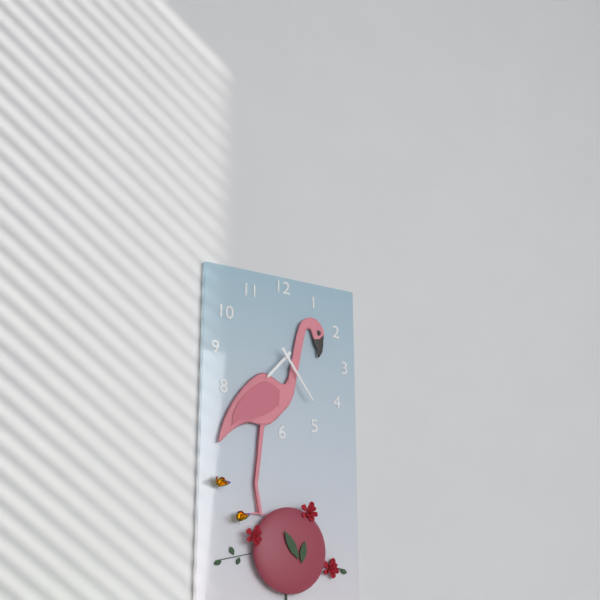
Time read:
7,24
